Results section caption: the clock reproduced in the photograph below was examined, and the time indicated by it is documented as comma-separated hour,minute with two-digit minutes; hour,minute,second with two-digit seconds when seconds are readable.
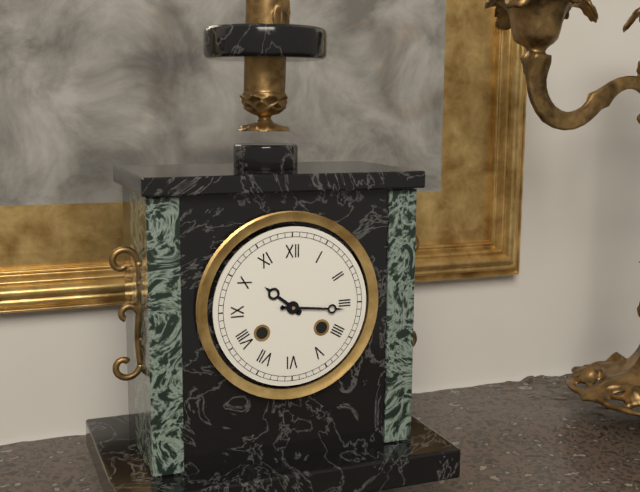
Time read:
10,16
